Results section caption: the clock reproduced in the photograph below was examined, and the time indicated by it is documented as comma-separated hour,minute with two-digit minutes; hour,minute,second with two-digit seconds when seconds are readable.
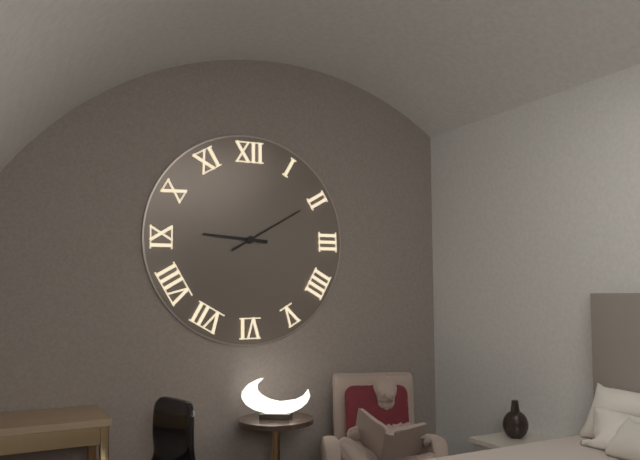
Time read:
9,10
